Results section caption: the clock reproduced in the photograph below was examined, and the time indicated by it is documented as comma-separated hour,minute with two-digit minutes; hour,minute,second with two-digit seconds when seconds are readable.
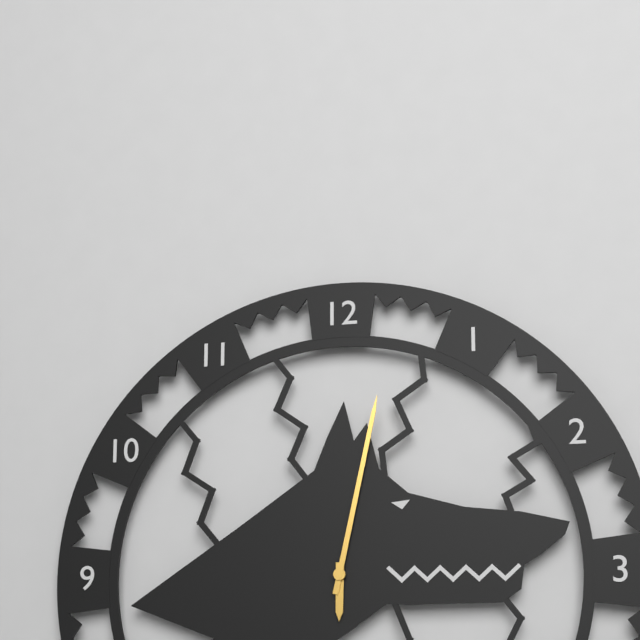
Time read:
6,02
